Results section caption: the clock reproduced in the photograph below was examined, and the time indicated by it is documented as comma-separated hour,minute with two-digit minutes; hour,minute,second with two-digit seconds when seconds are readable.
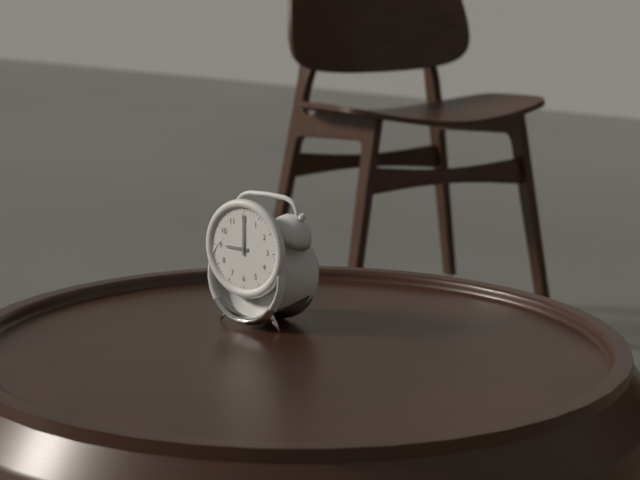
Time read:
9,00
